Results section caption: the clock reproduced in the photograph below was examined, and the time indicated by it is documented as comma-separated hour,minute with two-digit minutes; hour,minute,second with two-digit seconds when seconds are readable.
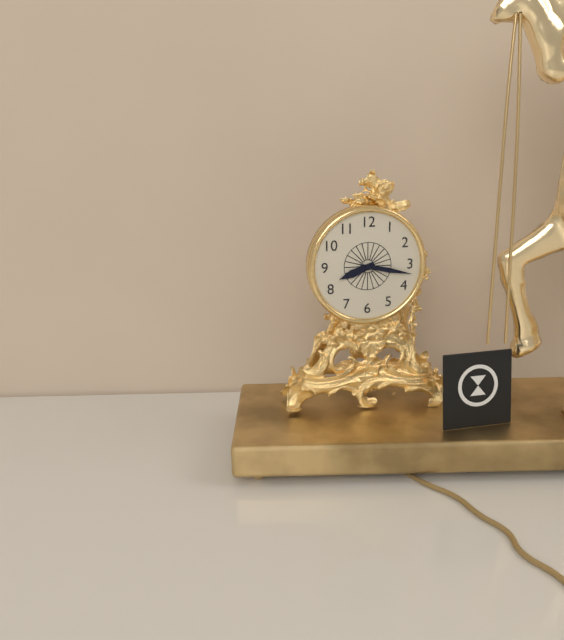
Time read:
8,17
